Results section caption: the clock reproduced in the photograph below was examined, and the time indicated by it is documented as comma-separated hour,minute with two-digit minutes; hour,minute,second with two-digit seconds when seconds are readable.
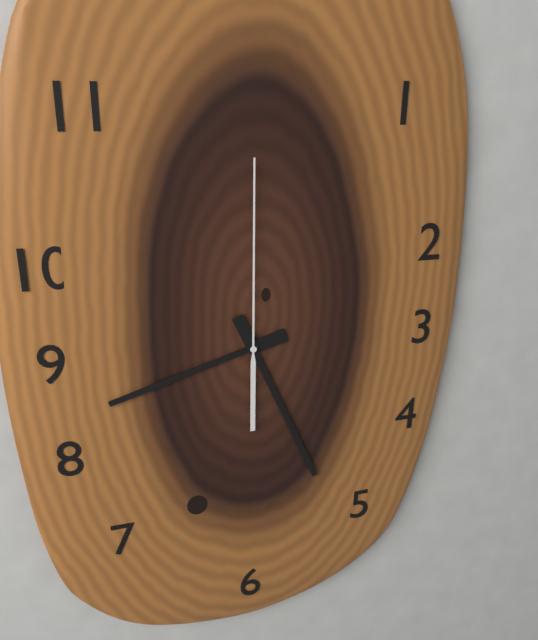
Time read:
8,26,00
